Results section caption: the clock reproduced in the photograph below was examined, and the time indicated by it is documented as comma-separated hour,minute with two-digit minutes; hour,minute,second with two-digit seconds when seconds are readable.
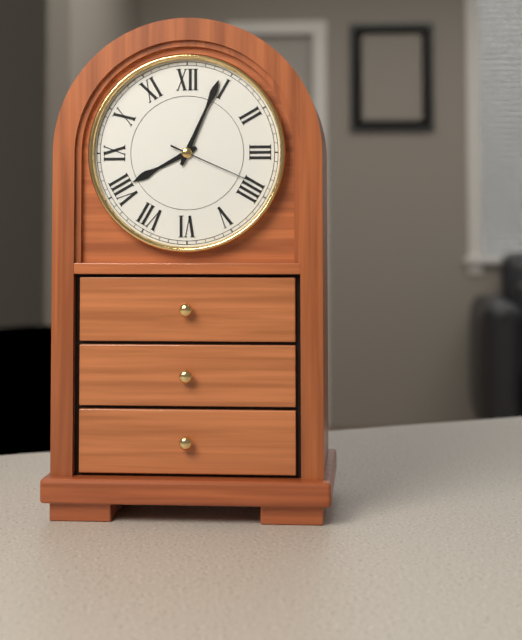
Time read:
8,04,19
